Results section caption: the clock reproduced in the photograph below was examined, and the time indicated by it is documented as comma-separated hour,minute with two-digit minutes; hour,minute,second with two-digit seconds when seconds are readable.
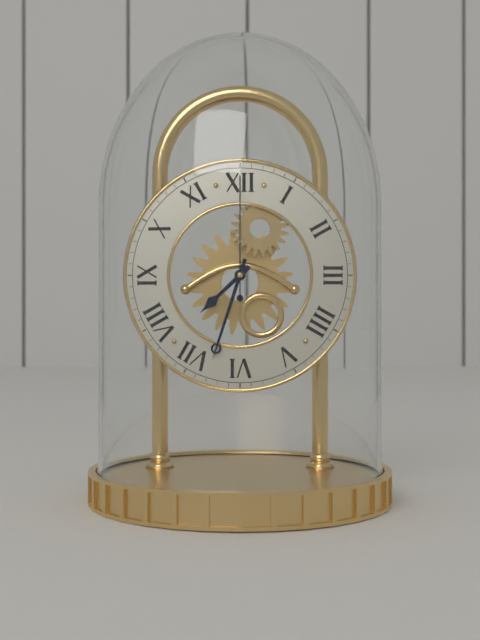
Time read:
7,33,00
